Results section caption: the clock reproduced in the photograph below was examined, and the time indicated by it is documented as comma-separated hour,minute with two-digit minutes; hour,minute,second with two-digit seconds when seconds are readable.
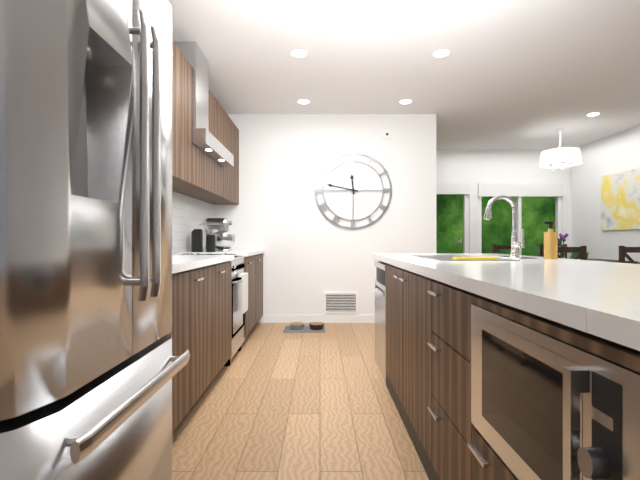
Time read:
11,47
